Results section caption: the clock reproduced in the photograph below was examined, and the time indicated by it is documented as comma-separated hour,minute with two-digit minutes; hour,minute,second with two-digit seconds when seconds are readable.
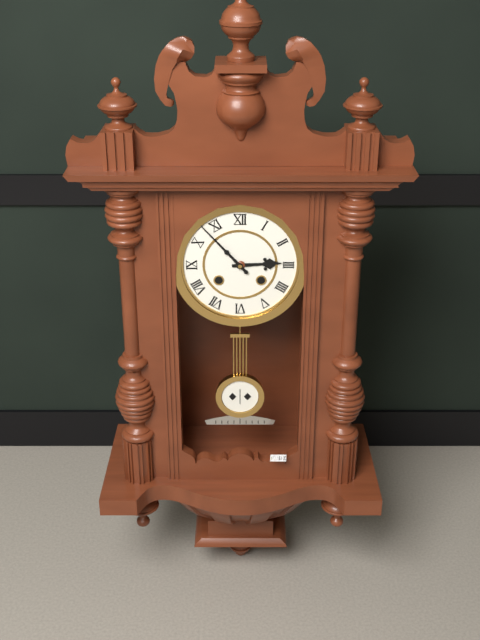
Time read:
2,53
